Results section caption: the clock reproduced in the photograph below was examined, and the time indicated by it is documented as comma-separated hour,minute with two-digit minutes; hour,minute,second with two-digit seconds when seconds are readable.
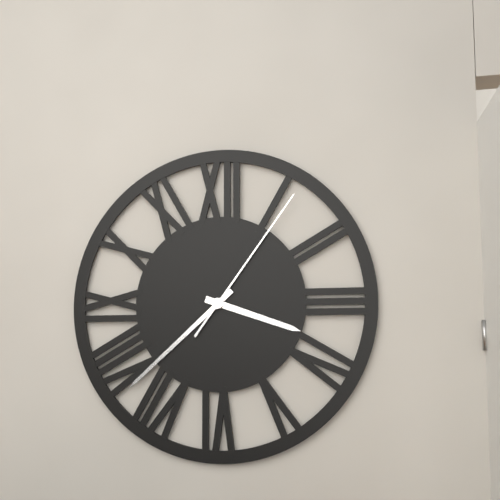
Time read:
3,38,06
